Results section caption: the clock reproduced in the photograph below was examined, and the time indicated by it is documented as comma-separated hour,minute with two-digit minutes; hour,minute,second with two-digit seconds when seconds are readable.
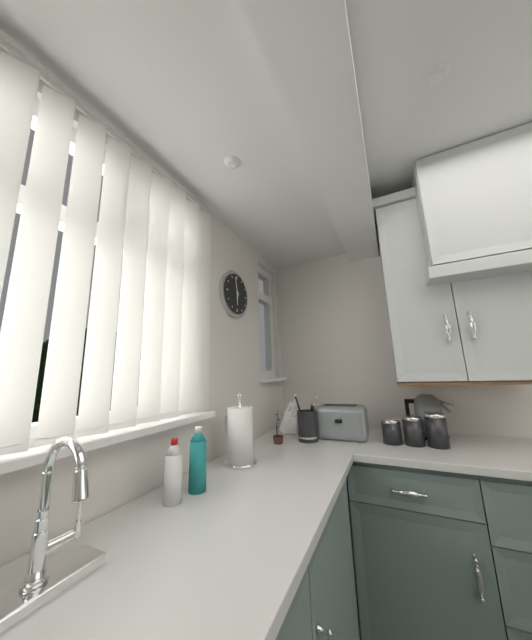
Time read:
5,58
